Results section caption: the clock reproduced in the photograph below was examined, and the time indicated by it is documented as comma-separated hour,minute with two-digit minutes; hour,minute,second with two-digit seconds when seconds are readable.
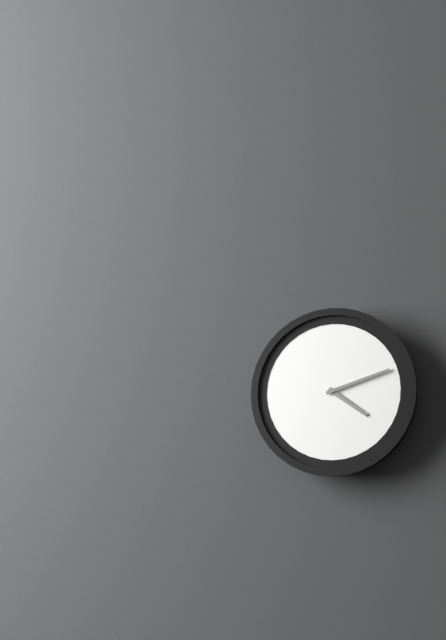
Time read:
4,12
